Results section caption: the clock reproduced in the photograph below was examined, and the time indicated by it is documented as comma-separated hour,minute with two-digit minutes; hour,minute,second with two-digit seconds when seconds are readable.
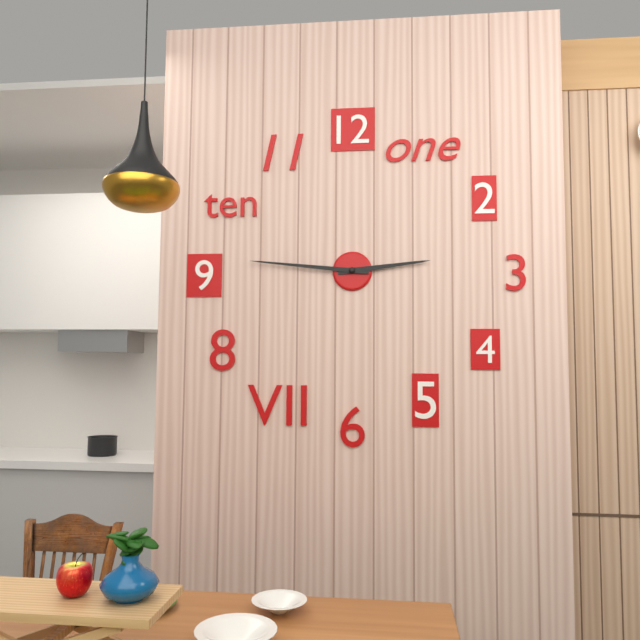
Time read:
2,46
